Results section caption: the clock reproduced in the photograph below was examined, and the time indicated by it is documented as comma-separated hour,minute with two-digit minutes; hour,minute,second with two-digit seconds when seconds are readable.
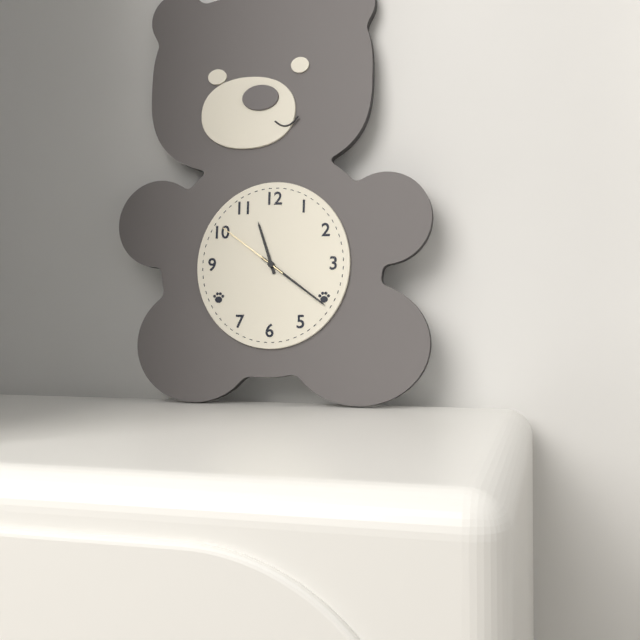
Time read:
11,21,51
